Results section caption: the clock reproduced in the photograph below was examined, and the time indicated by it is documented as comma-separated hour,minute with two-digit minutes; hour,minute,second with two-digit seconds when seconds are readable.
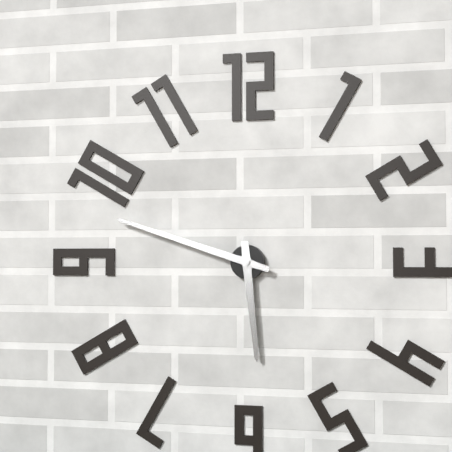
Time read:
5,48
